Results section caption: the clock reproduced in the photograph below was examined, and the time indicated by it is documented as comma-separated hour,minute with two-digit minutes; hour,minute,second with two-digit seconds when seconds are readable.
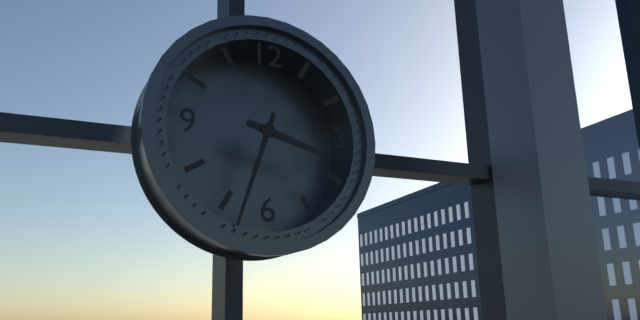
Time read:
3,33
